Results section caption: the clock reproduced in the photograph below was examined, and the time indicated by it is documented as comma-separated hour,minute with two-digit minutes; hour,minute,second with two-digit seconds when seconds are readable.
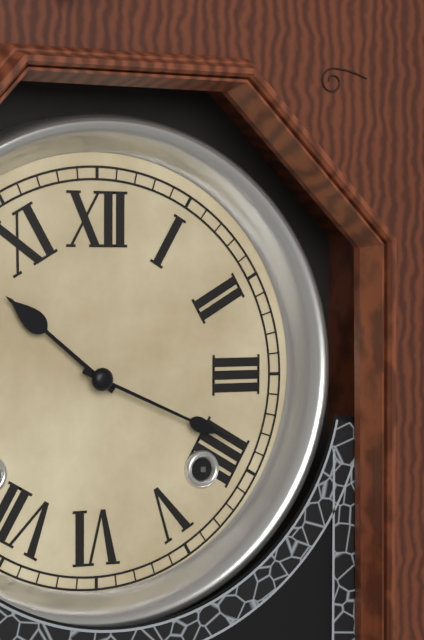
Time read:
10,19
